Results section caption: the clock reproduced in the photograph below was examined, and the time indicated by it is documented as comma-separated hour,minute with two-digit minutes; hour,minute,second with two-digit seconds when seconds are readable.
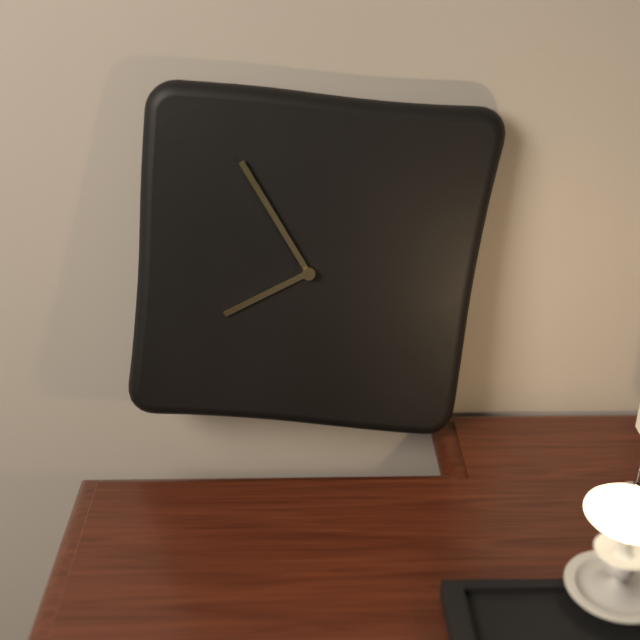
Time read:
7,54
